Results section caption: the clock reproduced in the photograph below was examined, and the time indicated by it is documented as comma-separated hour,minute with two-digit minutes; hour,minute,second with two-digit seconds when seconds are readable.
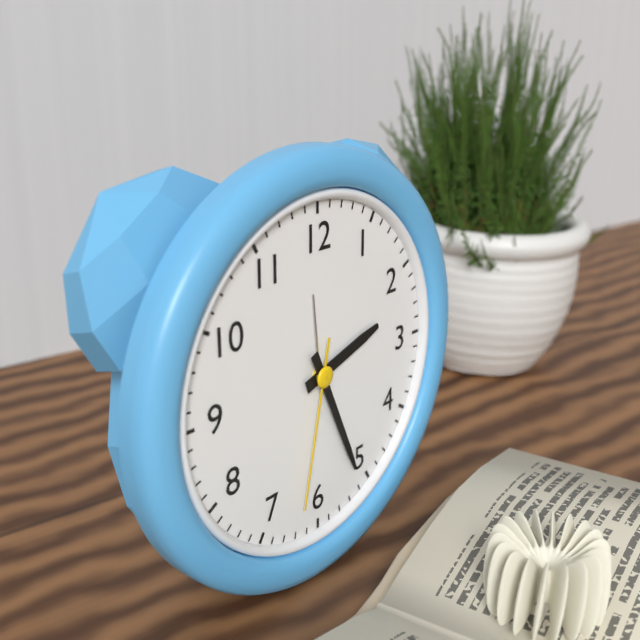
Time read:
2,26,32
